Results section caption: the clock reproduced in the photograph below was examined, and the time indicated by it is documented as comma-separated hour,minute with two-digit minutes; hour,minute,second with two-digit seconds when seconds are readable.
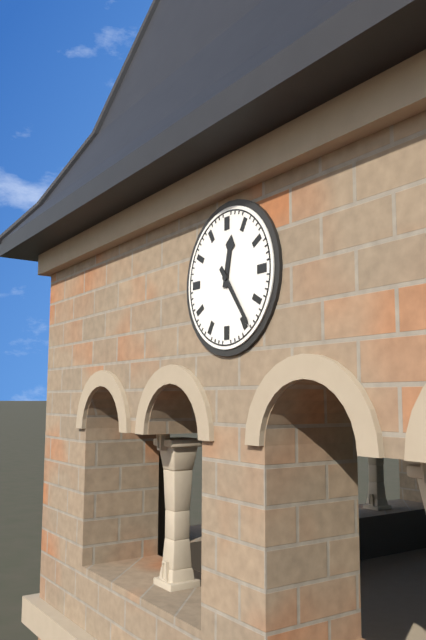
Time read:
12,24
